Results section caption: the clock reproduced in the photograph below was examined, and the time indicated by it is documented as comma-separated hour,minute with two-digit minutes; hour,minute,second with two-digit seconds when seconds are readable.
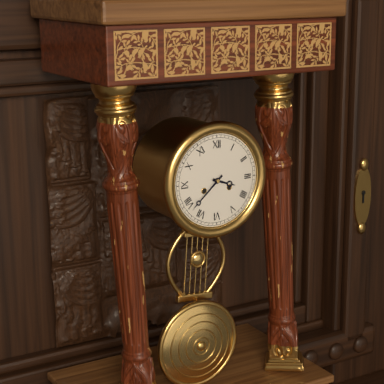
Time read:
3,38
